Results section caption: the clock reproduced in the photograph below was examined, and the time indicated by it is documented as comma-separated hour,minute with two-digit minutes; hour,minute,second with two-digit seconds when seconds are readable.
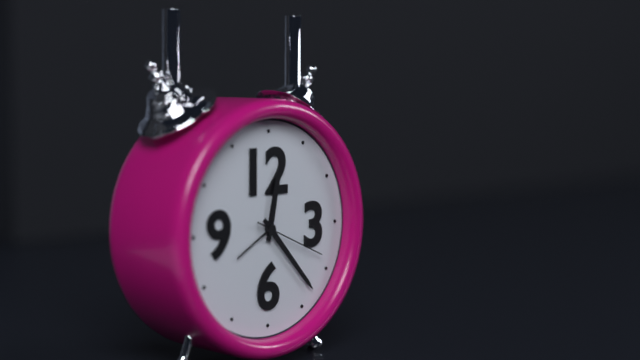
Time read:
12,23,19
